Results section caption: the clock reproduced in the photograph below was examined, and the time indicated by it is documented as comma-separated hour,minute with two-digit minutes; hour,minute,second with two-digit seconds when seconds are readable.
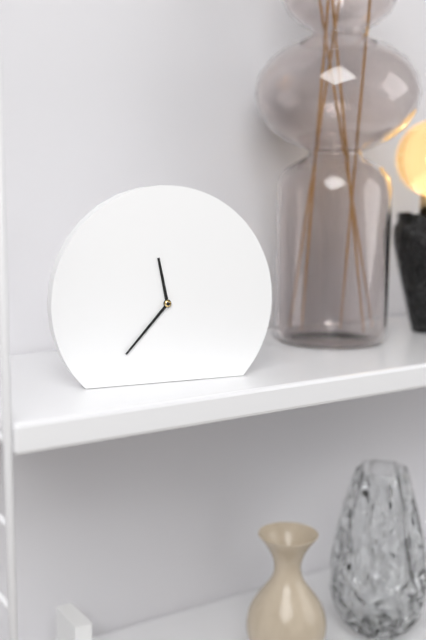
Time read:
11,37
